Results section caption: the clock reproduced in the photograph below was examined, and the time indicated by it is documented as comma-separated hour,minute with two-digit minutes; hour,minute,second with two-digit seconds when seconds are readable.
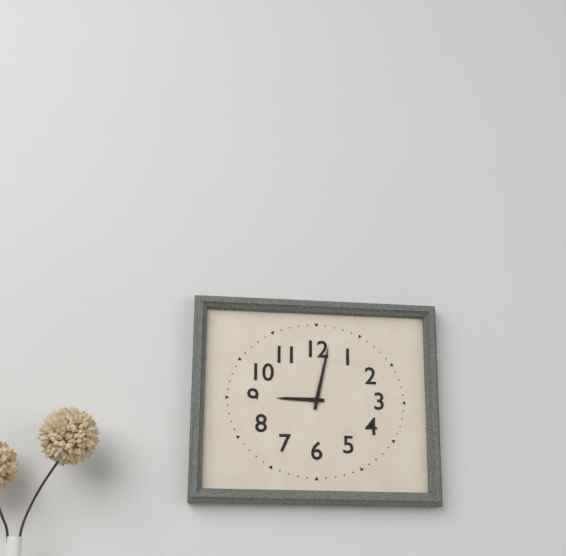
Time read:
9,02
